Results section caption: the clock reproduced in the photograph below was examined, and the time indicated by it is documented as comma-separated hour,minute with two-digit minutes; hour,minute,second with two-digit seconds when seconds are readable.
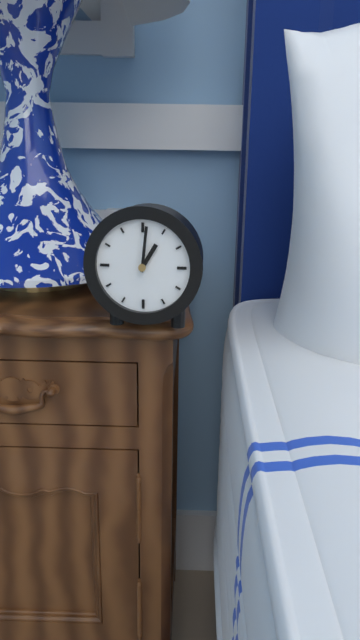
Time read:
1,01
